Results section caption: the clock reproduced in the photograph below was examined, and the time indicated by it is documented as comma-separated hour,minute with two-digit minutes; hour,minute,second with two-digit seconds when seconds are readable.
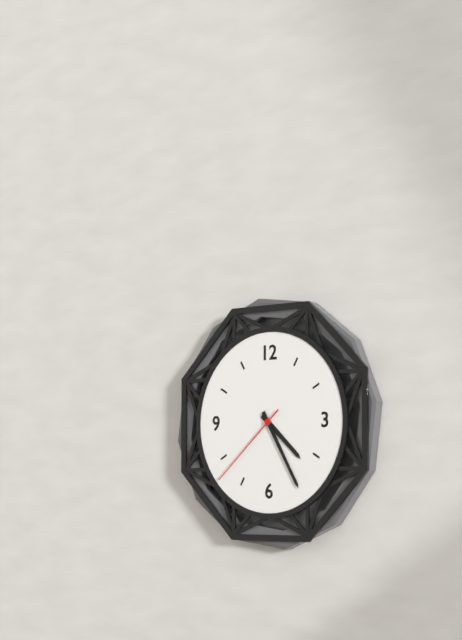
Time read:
4,25,38
